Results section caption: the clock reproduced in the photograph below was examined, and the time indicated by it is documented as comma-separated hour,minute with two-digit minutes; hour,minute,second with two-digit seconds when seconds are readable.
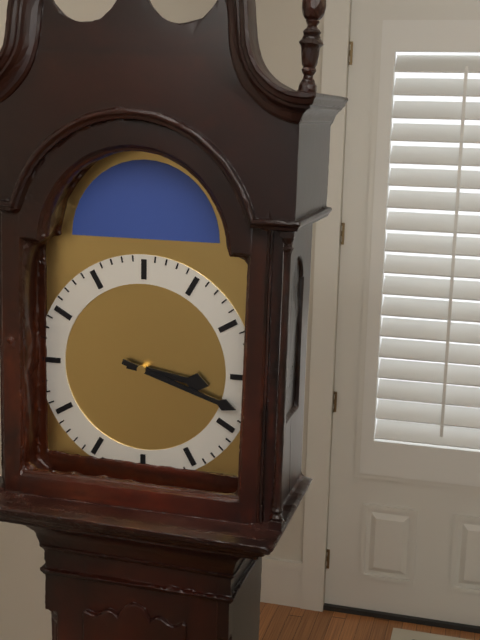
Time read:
3,18
